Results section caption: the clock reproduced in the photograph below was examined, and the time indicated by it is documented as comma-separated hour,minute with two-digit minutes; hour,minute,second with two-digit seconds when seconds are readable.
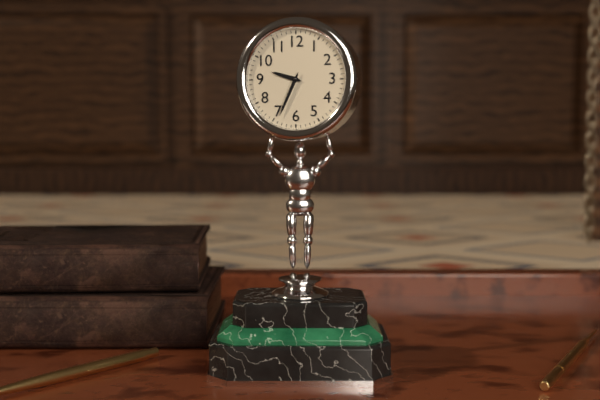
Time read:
9,34
